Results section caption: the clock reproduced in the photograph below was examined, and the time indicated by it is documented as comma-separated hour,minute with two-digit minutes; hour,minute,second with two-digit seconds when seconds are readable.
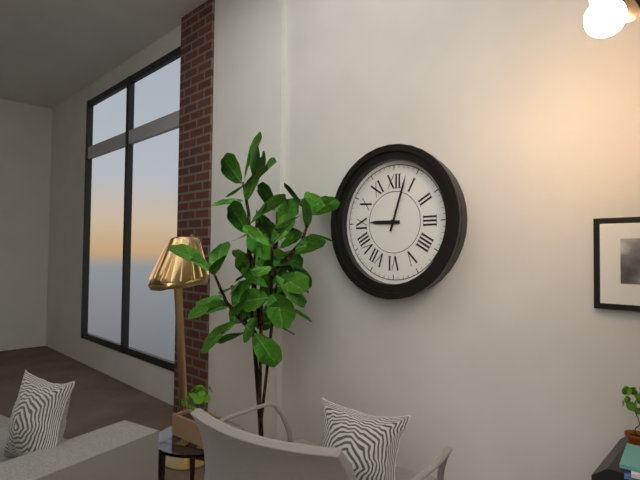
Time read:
9,03
